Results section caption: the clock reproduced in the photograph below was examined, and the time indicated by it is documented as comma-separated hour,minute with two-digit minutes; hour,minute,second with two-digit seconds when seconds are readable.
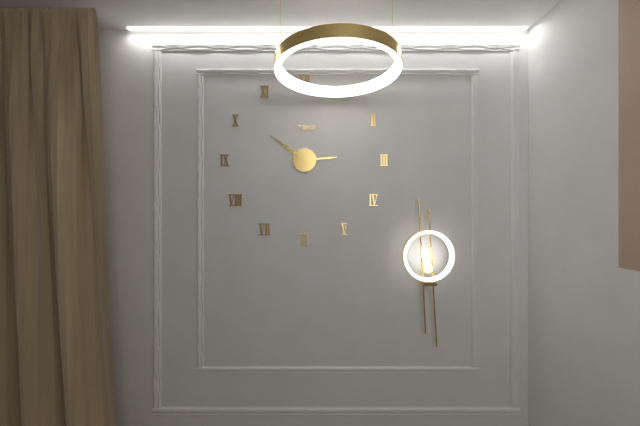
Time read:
2,51
